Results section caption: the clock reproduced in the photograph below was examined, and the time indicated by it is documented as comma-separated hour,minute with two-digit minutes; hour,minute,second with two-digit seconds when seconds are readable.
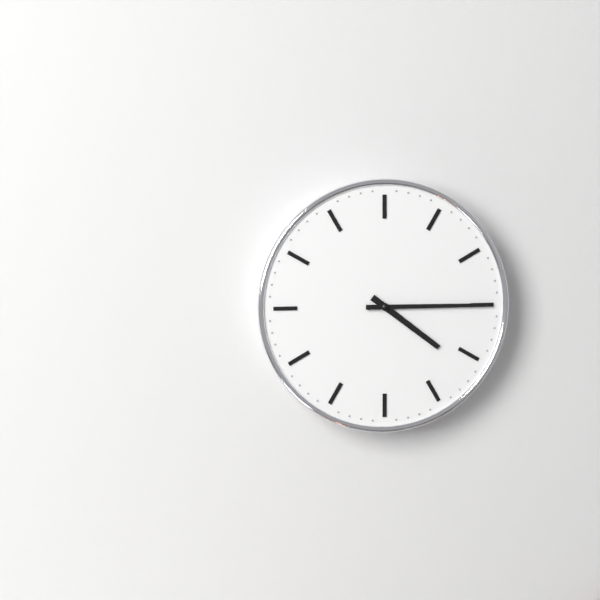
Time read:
4,15
